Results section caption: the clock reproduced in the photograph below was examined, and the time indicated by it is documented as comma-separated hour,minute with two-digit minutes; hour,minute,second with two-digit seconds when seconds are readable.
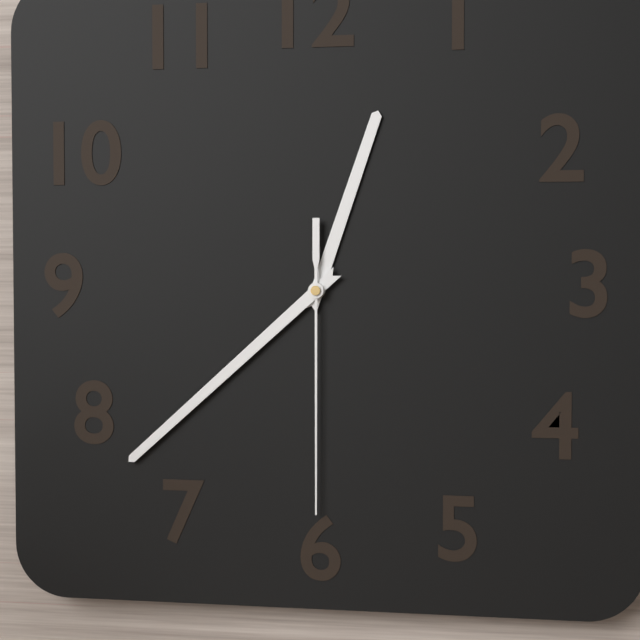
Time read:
12,38,30
